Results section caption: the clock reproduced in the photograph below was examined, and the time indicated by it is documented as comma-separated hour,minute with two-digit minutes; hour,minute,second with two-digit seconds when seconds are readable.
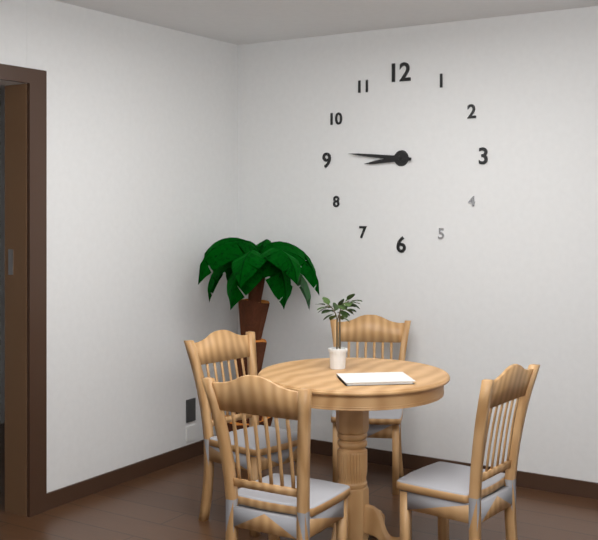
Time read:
8,46
